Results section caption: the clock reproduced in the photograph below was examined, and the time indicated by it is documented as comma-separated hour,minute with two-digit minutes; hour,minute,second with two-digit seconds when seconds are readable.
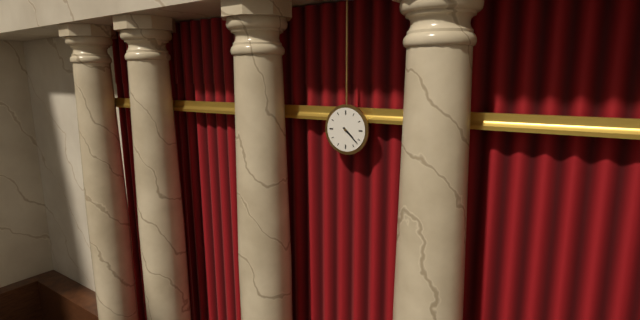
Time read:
4,22
